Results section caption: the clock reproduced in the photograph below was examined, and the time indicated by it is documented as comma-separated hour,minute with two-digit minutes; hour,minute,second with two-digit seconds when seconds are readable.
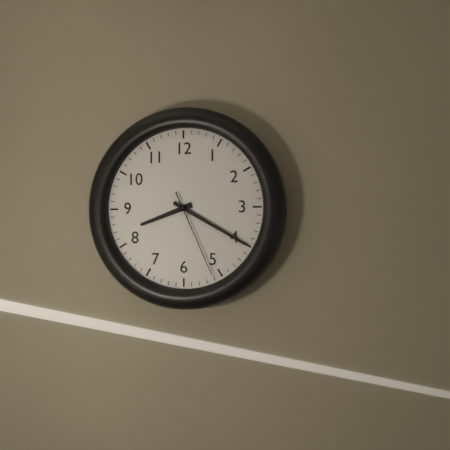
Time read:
8,20,26
